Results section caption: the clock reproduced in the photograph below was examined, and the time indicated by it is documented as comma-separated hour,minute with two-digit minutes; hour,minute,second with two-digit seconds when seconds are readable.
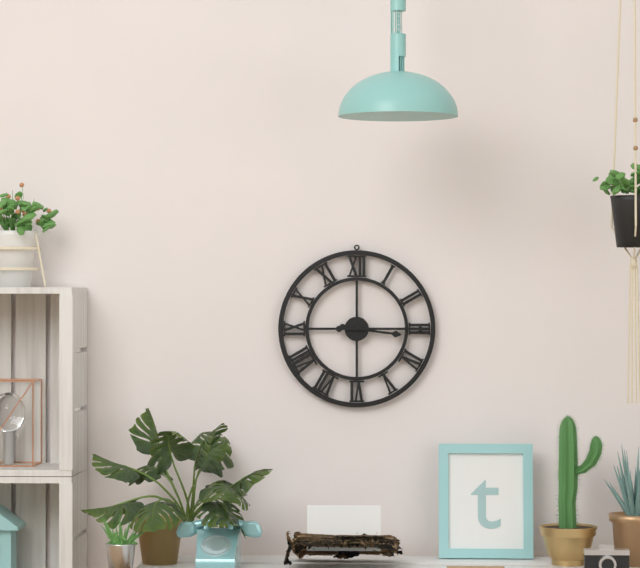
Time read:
3,15
